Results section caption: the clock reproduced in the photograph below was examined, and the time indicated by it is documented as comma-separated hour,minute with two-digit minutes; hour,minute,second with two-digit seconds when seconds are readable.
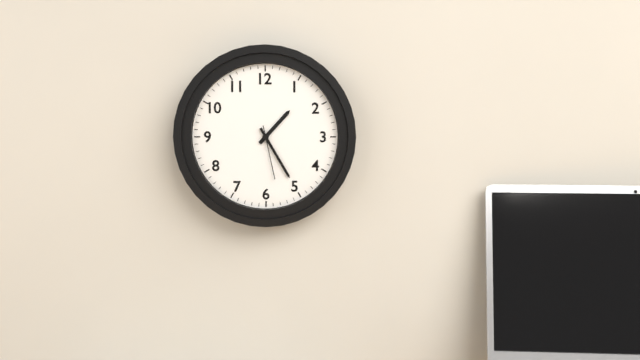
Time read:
1,25,28
